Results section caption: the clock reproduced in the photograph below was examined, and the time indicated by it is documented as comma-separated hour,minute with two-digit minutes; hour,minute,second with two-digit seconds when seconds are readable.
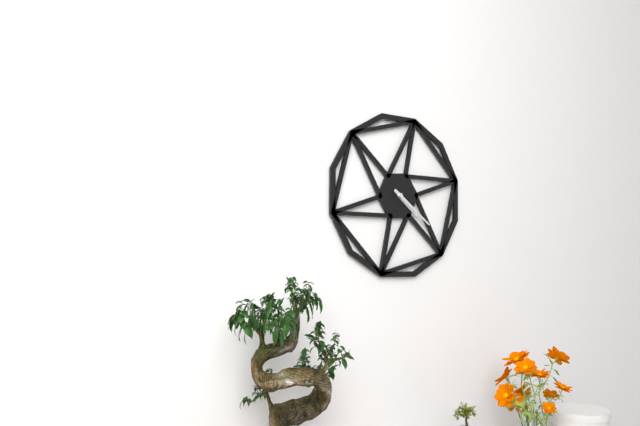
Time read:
4,21
